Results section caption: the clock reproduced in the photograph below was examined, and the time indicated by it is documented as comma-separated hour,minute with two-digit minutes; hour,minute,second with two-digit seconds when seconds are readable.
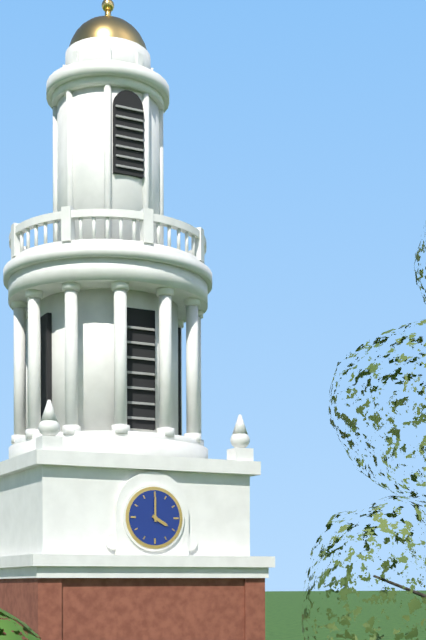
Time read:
4,00
